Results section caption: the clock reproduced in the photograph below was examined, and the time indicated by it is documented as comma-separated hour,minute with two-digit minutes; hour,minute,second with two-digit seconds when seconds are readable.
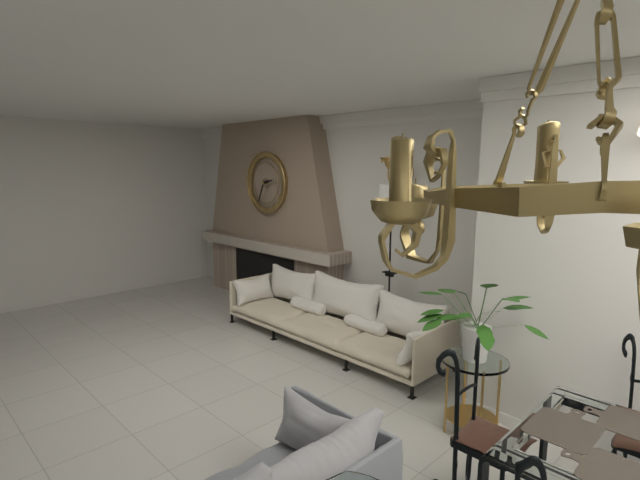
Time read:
2,34
